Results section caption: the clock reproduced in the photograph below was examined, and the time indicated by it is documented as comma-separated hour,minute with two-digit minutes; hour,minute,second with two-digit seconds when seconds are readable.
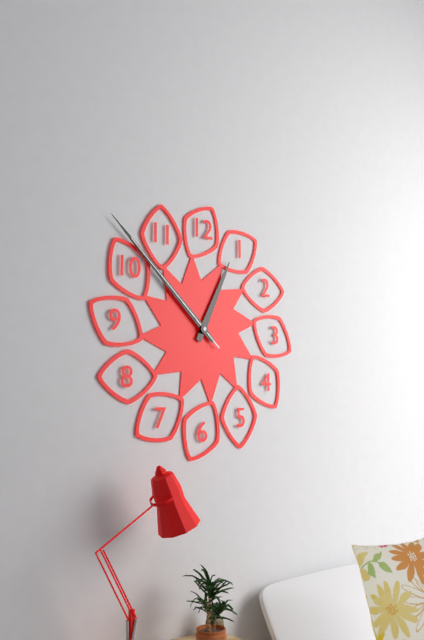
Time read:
12,52,52
